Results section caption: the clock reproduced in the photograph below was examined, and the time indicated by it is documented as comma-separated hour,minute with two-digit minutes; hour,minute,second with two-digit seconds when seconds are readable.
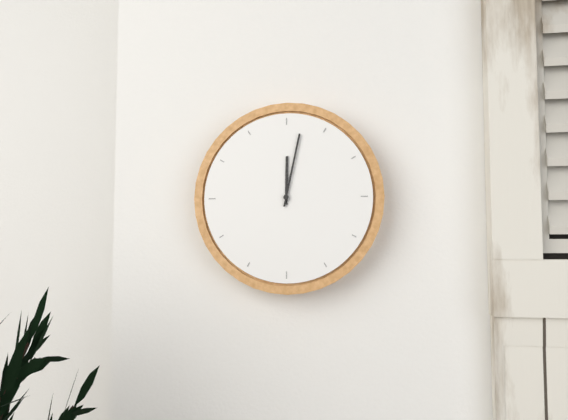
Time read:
12,02
